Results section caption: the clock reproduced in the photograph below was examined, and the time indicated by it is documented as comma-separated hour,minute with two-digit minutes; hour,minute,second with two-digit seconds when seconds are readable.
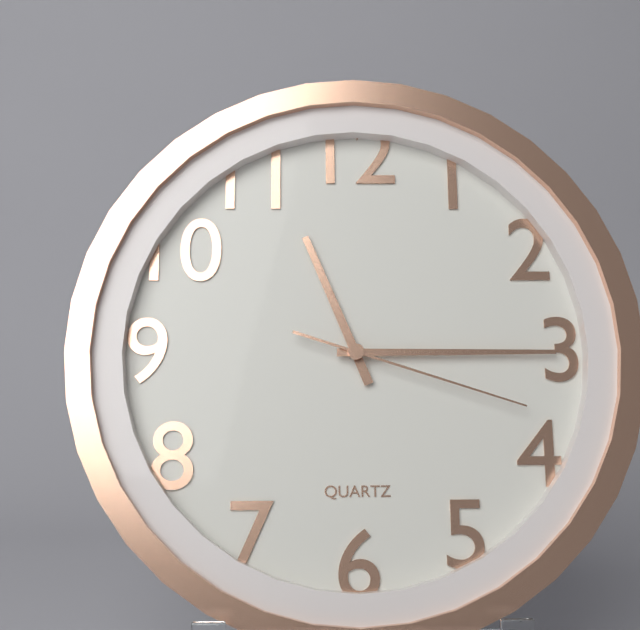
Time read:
11,15,18
